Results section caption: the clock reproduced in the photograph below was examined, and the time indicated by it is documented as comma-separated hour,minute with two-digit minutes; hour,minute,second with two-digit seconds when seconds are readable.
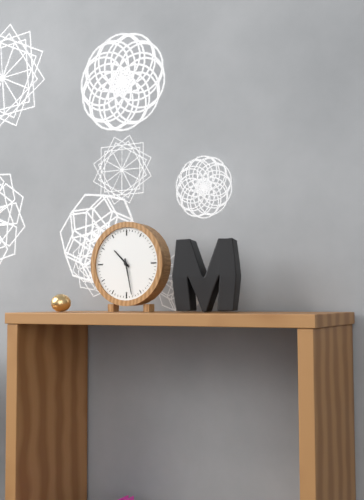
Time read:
10,28
